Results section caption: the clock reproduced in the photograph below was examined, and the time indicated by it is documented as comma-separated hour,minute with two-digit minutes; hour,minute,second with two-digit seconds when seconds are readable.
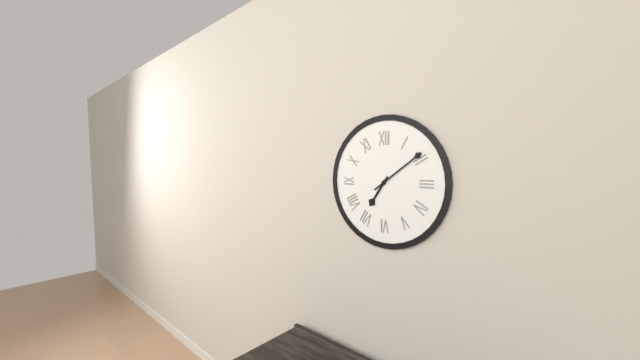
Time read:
7,09
